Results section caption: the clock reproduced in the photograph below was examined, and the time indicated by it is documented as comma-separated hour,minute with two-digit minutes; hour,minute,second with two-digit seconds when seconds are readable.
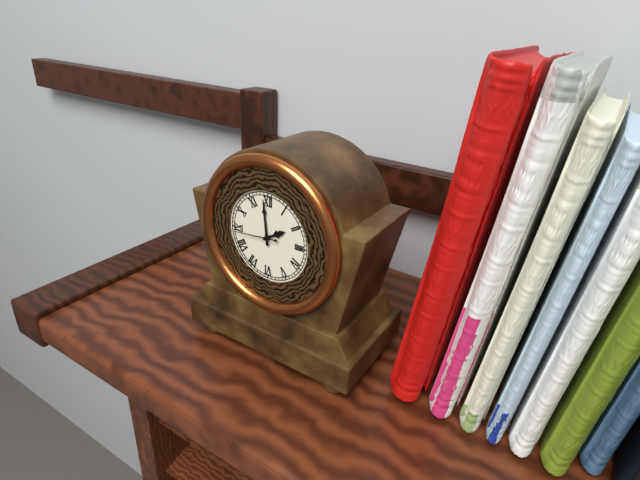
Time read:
1,59
